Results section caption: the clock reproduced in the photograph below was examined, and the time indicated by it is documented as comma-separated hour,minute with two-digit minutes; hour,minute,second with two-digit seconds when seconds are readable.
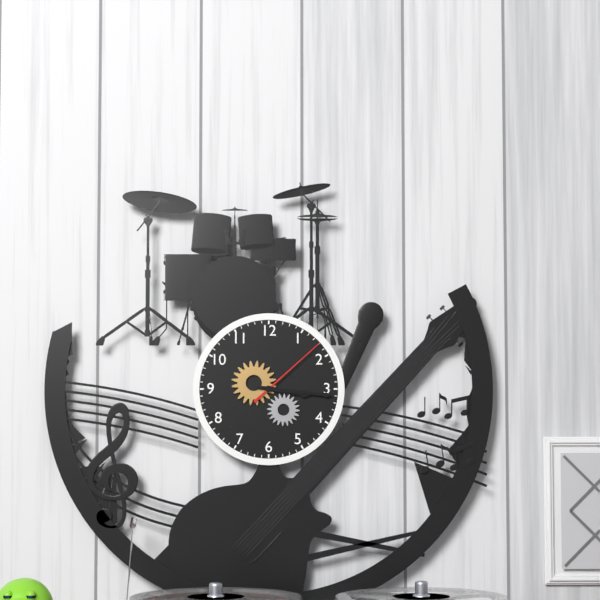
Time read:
3,16,08
